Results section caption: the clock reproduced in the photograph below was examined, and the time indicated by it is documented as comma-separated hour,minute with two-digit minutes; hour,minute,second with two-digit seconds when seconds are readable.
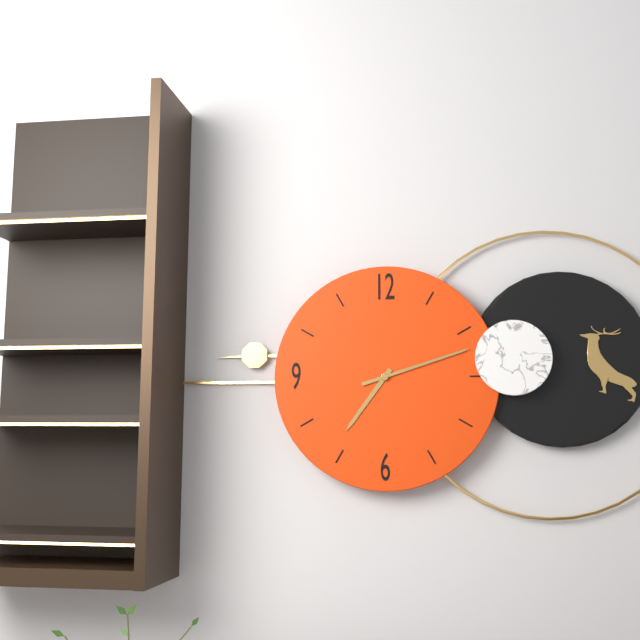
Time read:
7,12
